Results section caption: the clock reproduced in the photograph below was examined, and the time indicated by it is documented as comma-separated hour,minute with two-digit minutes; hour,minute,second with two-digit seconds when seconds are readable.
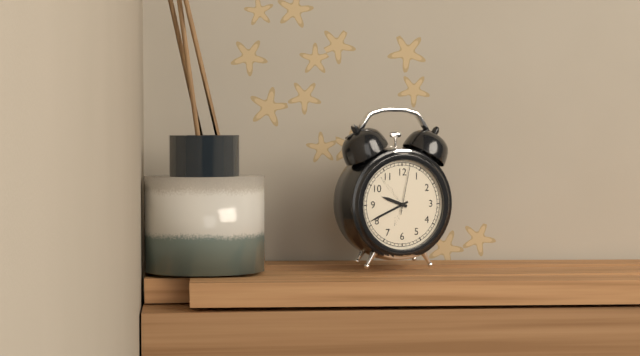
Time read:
9,41,02
